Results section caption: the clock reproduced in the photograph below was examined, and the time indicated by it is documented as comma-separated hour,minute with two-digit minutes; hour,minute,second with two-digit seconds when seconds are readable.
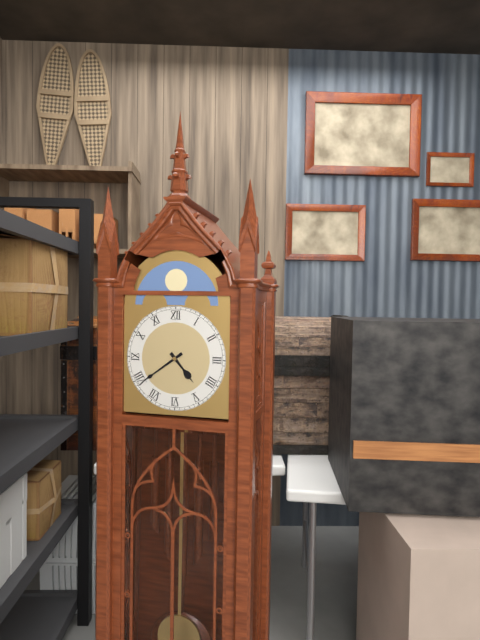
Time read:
4,39
